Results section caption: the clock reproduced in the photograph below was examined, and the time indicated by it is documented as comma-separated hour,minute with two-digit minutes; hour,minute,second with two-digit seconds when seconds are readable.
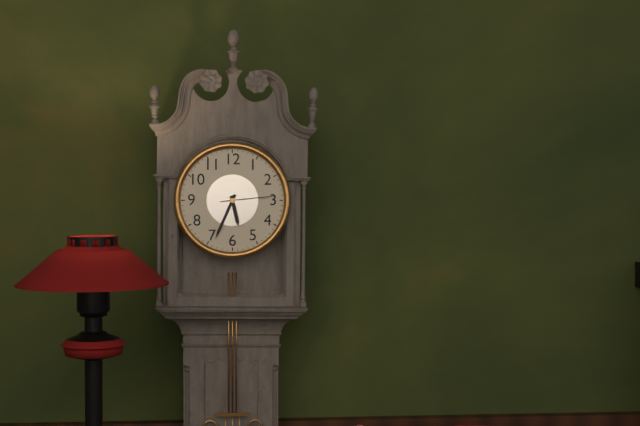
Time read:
5,34,14
